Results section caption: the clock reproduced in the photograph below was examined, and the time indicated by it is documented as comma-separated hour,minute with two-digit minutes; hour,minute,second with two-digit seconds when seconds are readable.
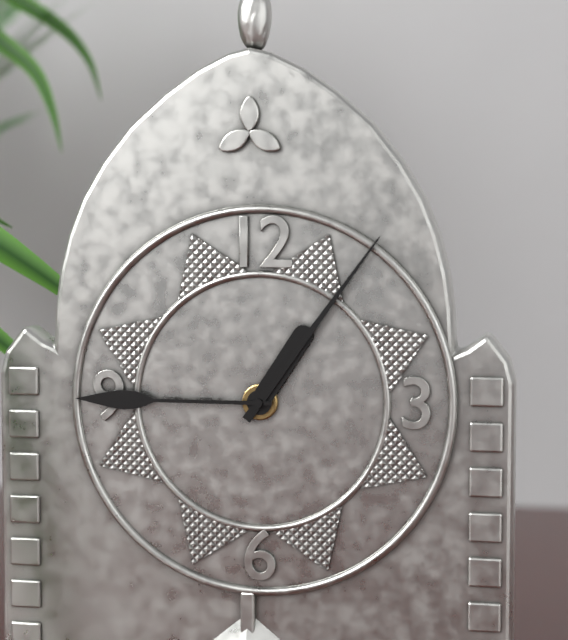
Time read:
1,06,45
